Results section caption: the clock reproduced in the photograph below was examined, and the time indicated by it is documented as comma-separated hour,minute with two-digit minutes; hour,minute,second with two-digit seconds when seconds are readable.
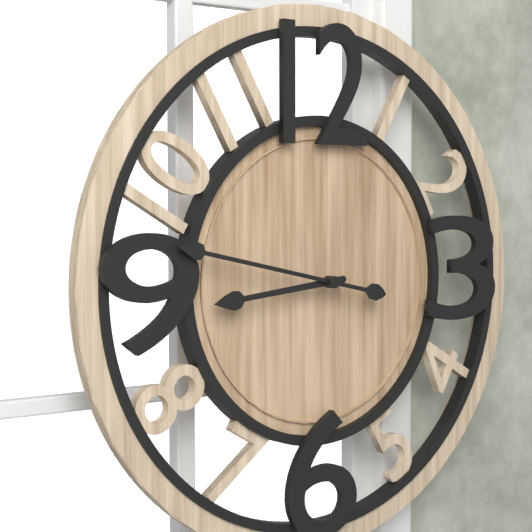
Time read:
8,47
